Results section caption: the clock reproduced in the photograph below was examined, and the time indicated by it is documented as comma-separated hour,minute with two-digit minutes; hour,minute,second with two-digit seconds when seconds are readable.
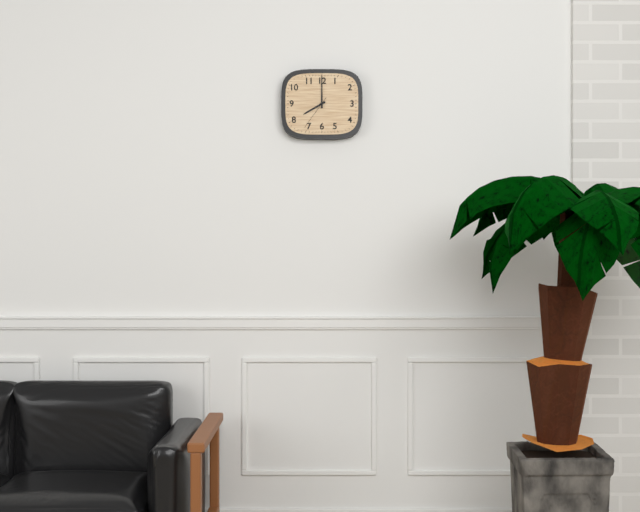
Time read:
8,00
